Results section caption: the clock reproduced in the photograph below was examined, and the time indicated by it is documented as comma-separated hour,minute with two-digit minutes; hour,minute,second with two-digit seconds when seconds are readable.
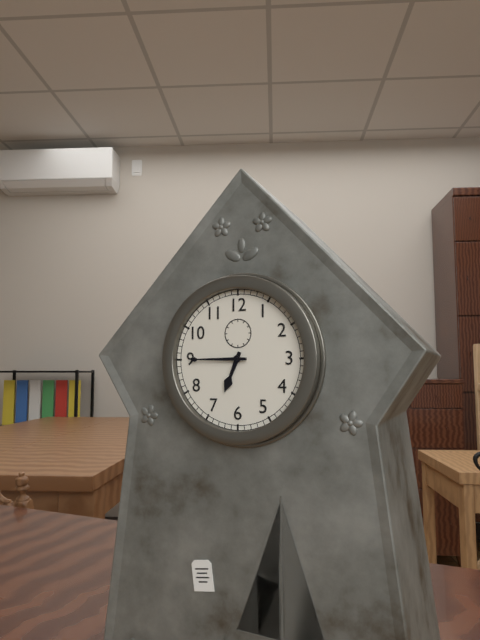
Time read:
6,45
